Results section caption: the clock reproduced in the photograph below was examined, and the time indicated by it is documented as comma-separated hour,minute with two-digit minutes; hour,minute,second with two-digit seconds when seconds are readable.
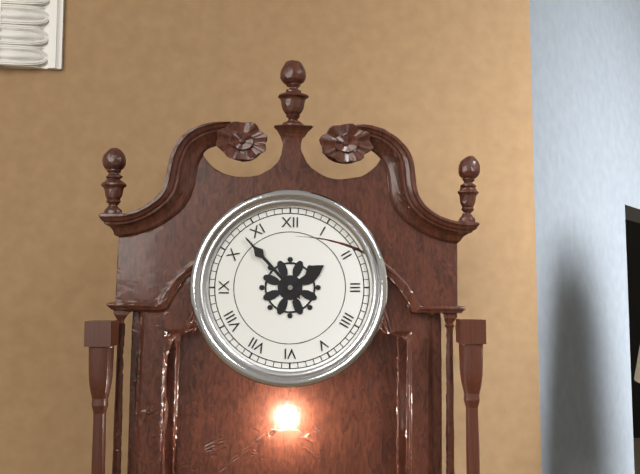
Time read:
1,53
